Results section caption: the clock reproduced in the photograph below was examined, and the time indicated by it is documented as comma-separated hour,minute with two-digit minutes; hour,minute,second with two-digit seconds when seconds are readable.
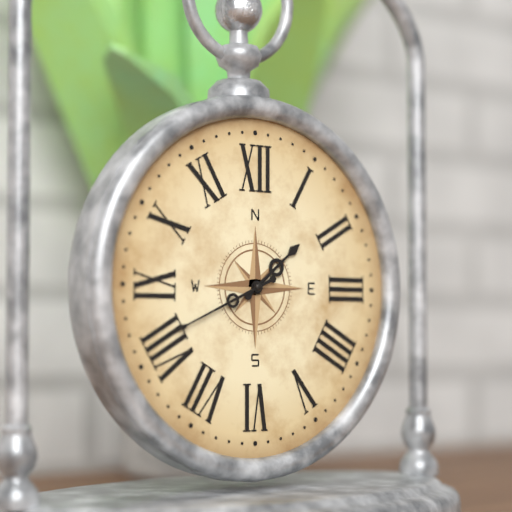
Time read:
1,41
